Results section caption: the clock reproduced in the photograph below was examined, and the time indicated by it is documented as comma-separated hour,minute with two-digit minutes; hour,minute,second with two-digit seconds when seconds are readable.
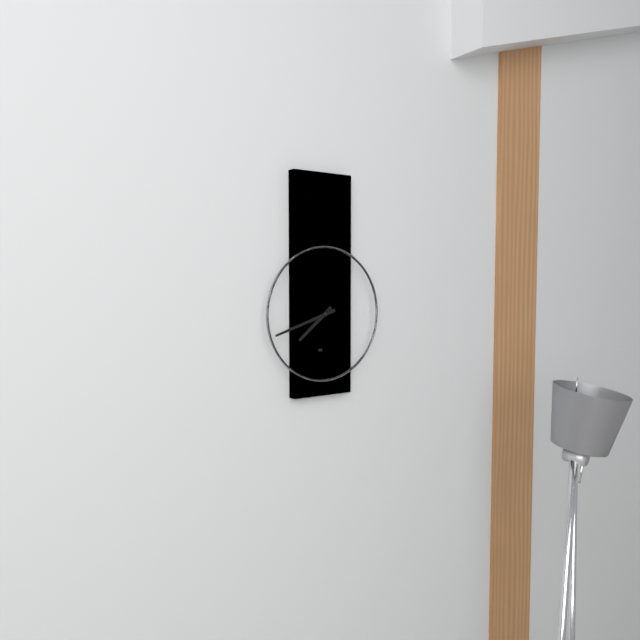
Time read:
7,42
